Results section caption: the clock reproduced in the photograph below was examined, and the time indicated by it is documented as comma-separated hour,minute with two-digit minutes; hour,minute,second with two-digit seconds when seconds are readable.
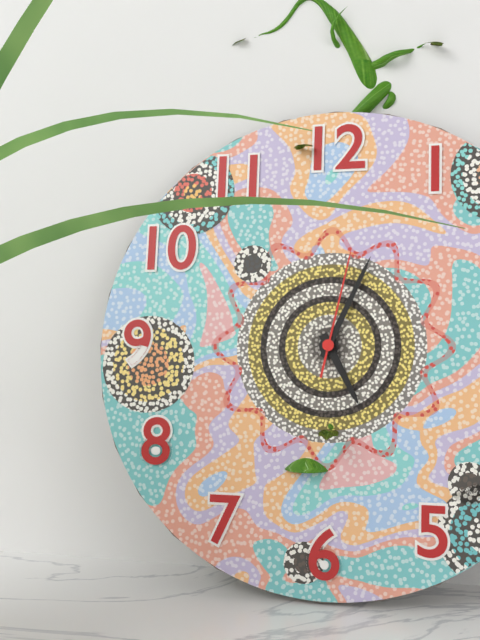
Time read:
5,04,02
